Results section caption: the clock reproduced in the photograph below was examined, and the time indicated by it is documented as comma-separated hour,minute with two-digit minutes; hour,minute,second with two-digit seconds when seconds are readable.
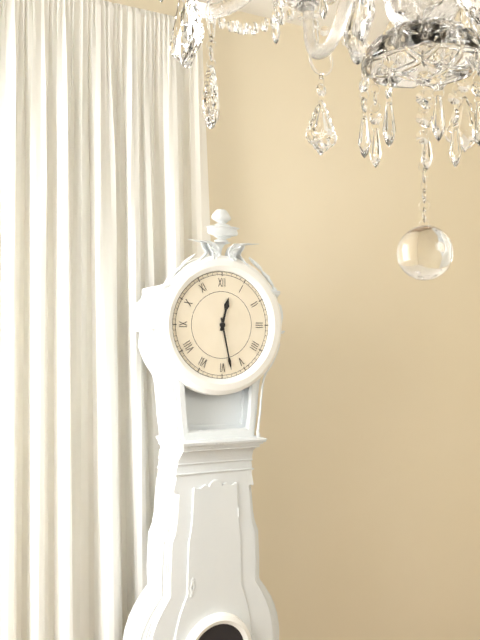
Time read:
12,28
